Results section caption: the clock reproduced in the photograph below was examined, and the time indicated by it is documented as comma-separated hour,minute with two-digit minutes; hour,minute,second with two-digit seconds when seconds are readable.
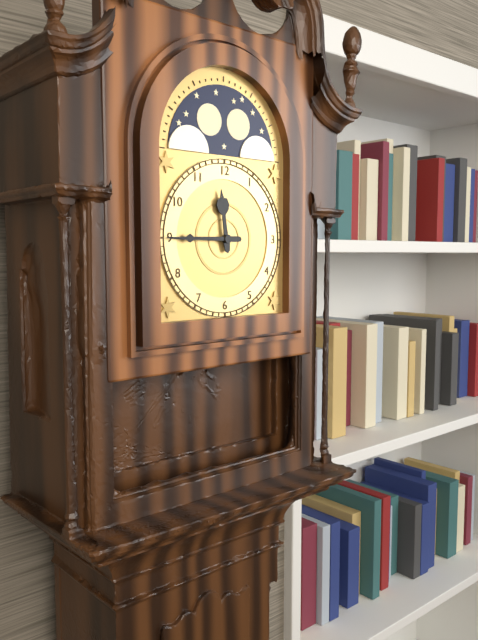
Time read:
11,45
